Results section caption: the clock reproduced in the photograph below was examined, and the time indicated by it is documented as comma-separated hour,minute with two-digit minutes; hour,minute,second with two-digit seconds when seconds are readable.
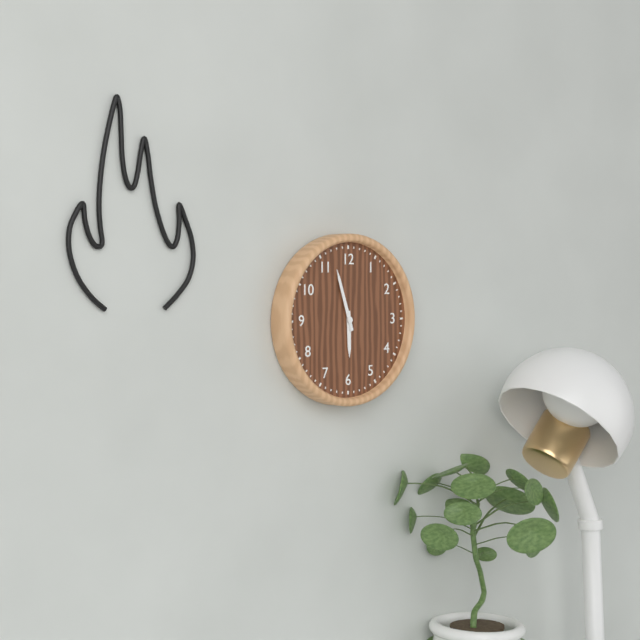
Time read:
5,57
